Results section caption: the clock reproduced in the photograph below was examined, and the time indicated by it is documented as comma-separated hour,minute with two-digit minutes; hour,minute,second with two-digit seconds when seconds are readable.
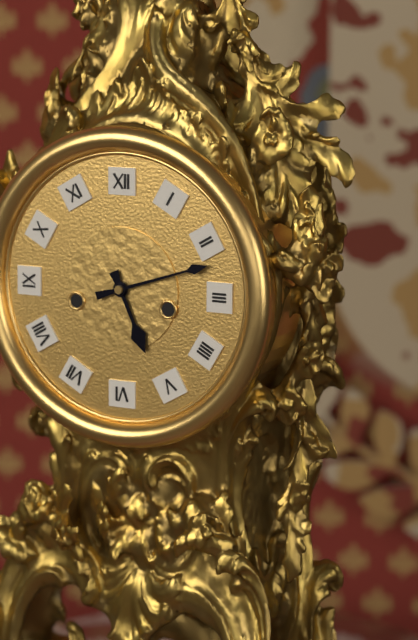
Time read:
5,12
